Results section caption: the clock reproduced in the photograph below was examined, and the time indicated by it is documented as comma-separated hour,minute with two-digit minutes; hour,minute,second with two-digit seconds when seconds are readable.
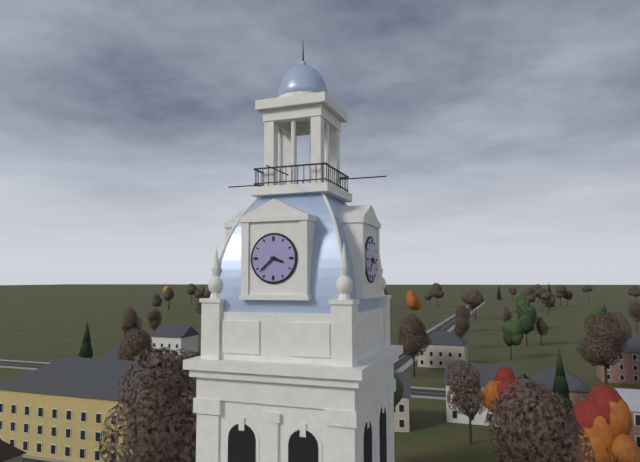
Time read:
3,38
